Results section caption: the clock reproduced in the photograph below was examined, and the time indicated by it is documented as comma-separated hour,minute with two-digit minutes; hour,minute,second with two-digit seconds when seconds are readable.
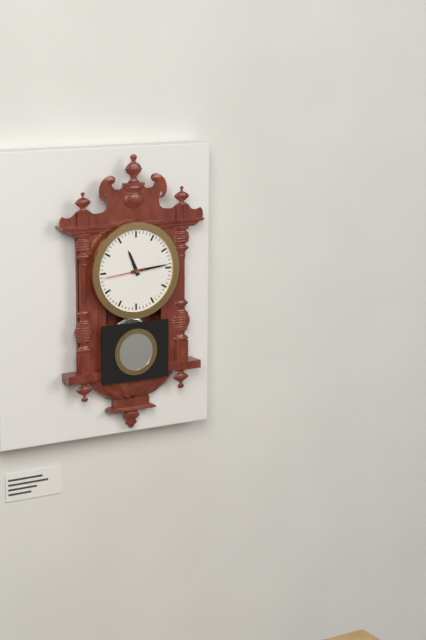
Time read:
11,14
